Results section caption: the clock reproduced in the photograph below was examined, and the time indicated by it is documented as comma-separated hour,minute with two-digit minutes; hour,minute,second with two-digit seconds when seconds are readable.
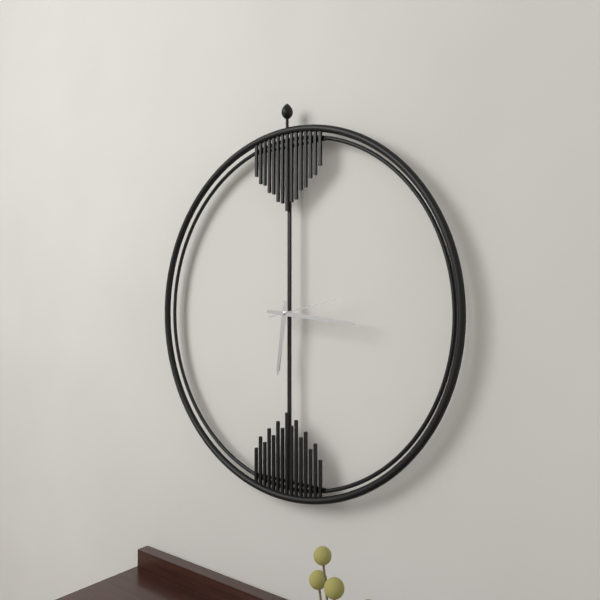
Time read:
6,16,13
